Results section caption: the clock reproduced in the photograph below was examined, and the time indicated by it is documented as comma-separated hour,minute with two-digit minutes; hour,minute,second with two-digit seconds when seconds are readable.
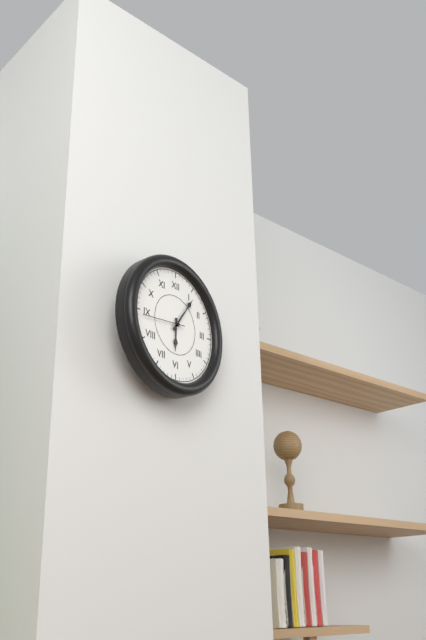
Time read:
6,06
